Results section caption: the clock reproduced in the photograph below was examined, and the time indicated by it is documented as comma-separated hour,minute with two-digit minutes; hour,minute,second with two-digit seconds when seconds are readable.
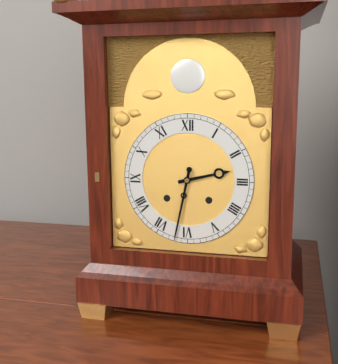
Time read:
2,32
